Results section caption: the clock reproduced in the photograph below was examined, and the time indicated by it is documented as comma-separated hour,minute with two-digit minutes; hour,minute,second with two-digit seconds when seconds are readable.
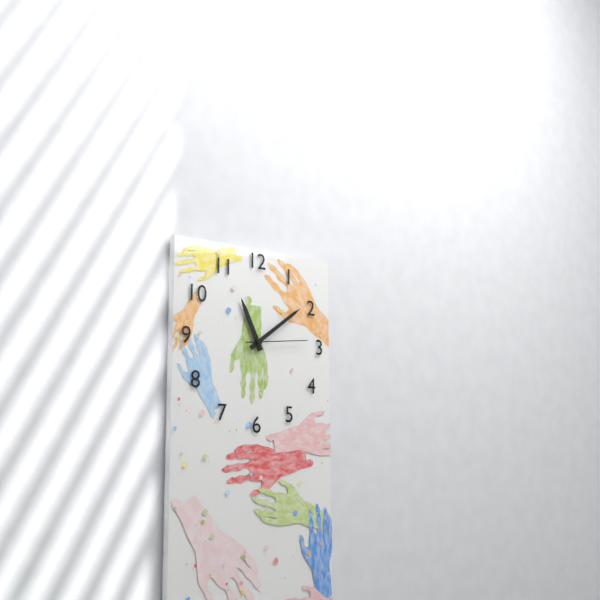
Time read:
11,09,14
